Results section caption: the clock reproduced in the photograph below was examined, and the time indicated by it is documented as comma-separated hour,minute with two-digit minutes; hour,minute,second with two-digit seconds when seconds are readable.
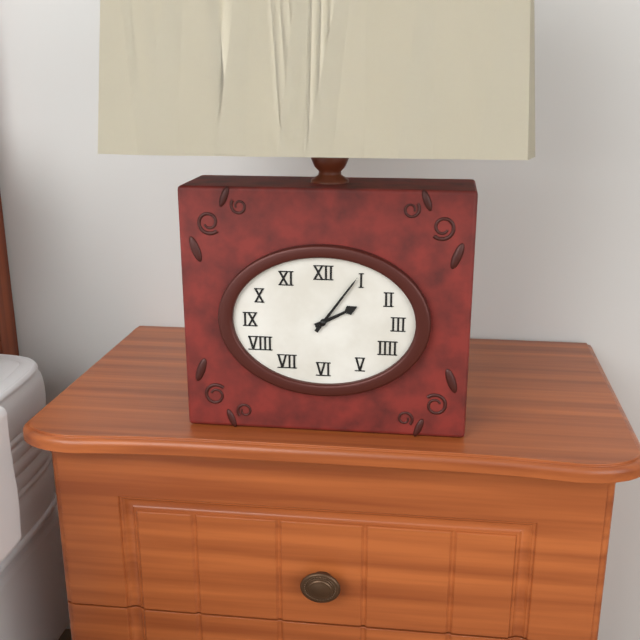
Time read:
2,06
